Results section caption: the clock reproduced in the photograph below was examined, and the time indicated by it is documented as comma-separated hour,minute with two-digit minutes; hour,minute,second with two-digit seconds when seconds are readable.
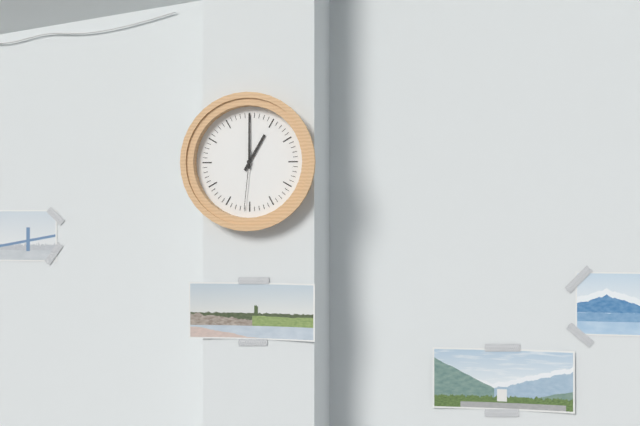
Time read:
1,00,31
